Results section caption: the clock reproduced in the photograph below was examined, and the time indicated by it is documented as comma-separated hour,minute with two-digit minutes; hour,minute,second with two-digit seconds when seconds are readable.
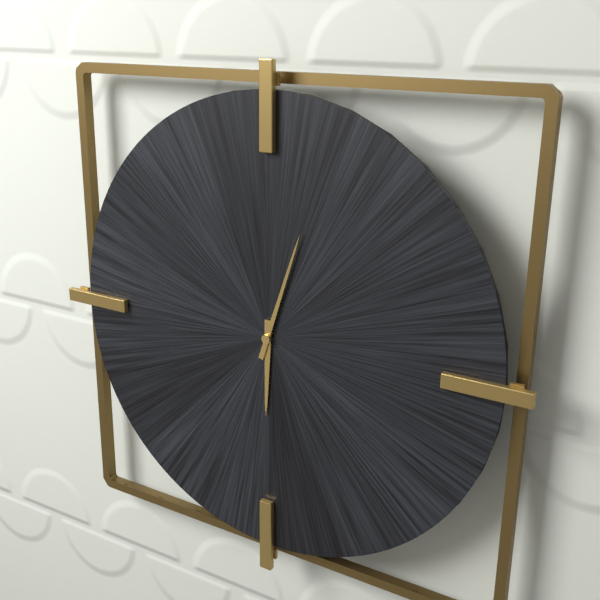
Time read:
6,03
